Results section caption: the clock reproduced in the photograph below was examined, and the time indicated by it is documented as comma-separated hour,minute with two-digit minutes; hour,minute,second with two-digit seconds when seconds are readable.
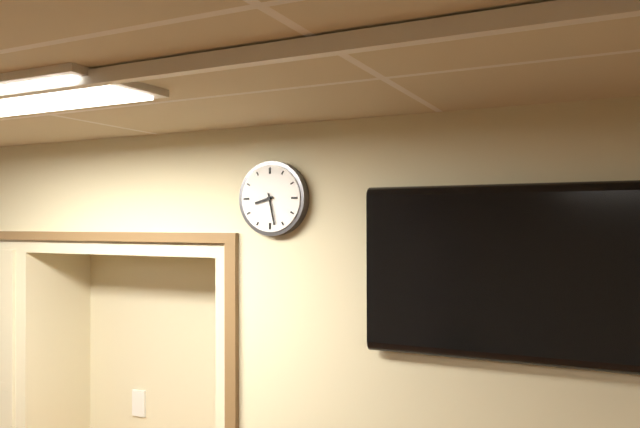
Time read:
8,28
